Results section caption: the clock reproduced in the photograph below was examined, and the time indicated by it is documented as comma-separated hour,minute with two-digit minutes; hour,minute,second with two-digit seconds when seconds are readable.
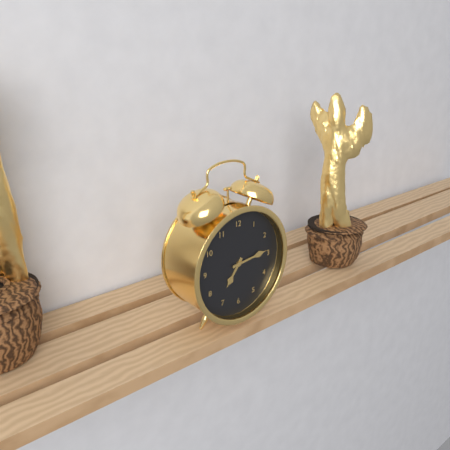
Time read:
7,14
